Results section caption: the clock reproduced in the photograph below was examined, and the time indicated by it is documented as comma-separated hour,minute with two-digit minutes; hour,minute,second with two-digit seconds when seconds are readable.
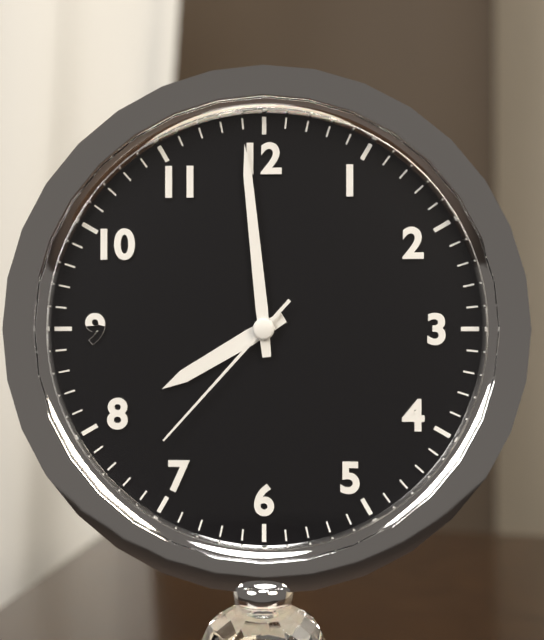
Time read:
7,59,37
